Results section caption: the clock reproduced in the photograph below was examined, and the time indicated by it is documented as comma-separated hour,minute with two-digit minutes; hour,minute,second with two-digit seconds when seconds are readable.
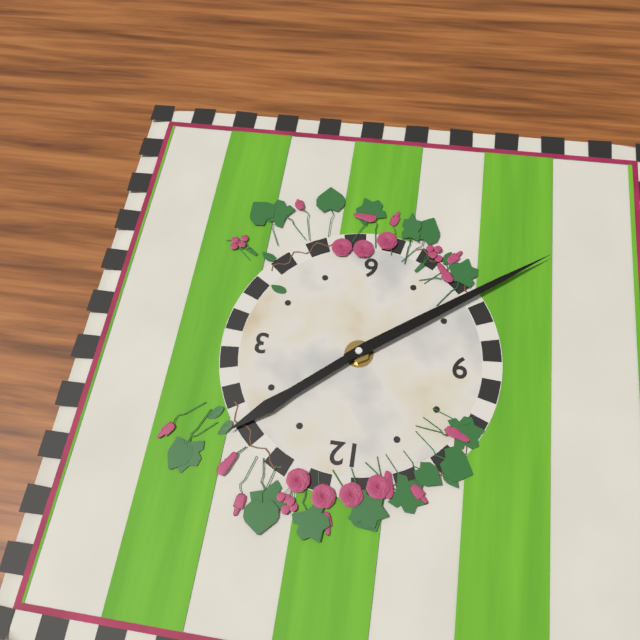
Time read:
1,39
